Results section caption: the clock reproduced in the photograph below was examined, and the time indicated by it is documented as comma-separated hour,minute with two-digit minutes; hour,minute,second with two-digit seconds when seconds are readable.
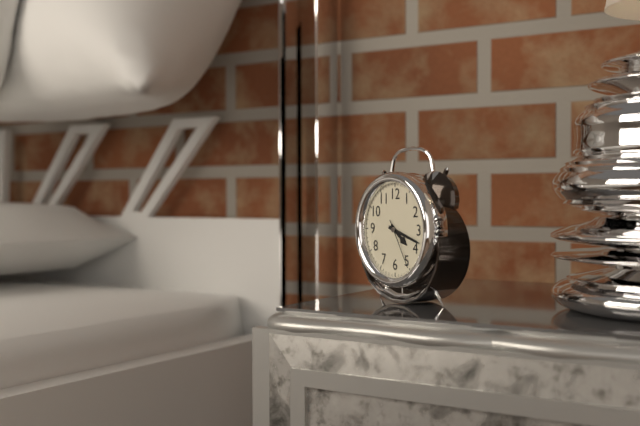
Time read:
4,18,25
